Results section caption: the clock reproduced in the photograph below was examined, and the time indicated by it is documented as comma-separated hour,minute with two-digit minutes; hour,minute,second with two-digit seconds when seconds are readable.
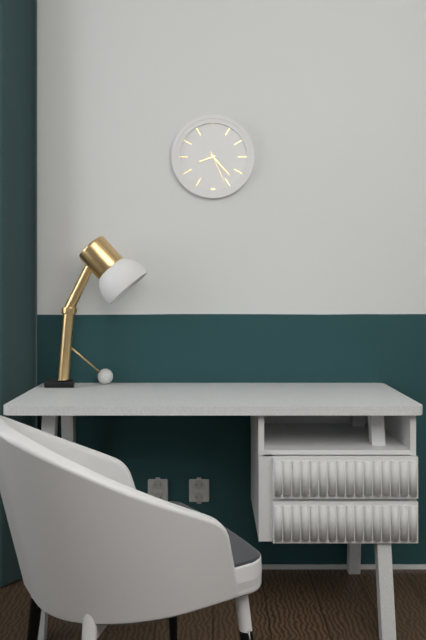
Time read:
8,23
